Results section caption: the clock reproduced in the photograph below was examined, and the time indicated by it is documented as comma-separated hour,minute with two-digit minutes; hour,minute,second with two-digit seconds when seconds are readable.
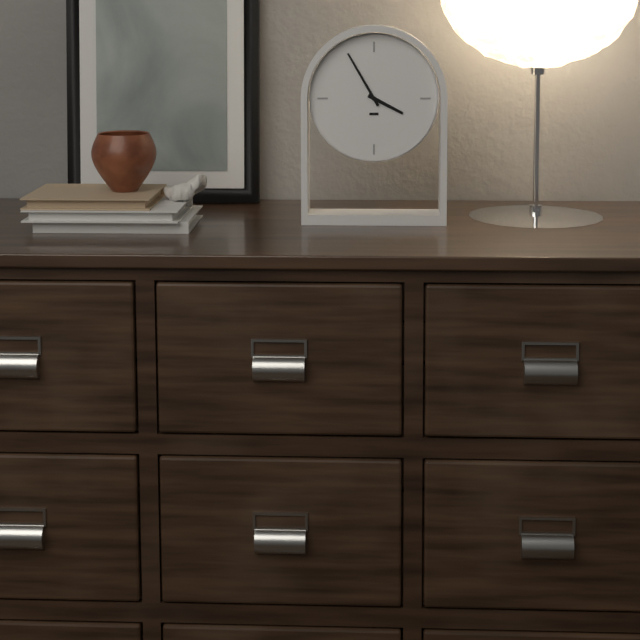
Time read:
3,55
